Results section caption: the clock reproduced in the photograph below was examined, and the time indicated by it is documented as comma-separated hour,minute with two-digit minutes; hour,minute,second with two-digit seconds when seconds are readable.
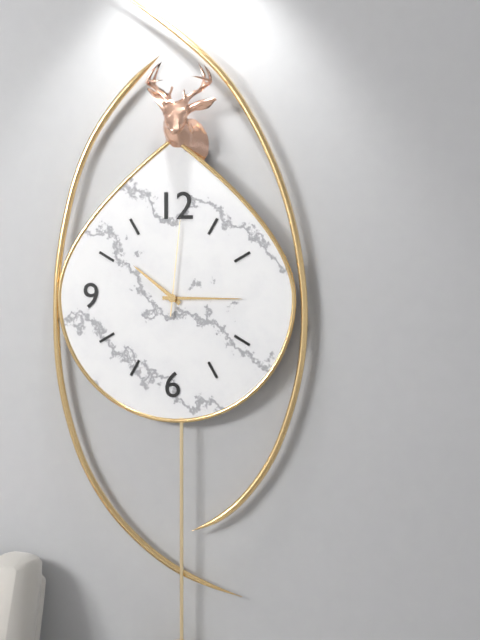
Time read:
10,15,01
